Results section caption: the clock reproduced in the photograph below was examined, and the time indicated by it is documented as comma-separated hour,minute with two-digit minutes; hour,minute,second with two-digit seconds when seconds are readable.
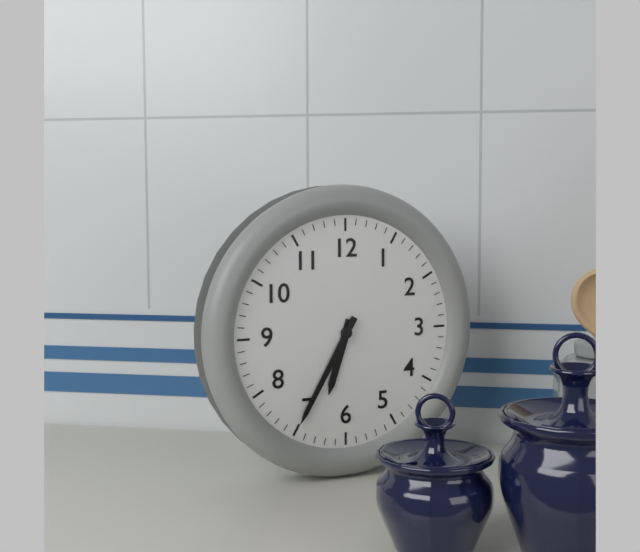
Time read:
6,35
